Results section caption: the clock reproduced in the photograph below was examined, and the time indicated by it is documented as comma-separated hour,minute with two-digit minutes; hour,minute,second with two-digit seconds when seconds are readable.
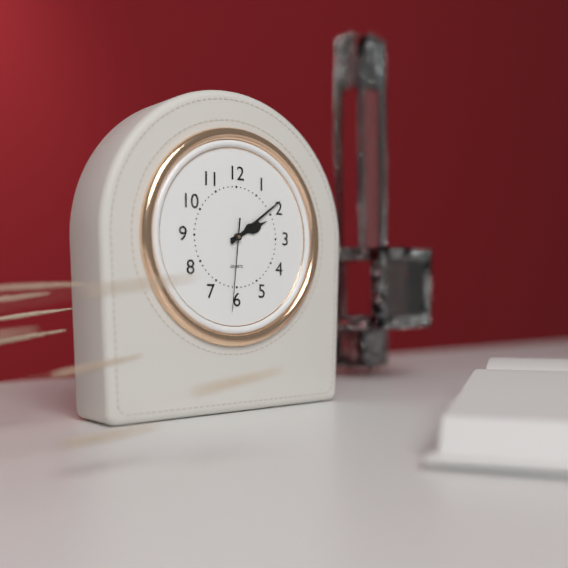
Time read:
2,09,31
